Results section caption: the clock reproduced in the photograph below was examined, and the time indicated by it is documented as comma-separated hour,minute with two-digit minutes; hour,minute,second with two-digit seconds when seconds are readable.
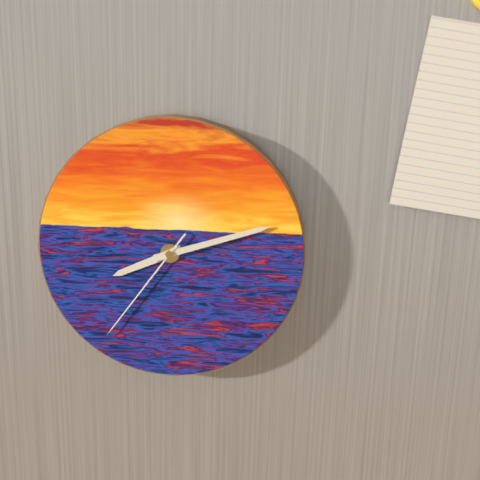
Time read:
8,12,36
